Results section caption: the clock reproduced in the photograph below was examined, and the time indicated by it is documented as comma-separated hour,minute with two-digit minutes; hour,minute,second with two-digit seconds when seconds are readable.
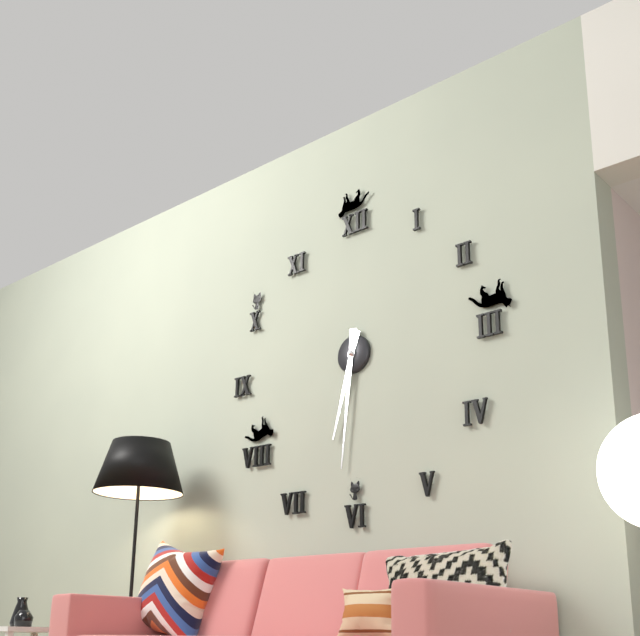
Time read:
6,31
